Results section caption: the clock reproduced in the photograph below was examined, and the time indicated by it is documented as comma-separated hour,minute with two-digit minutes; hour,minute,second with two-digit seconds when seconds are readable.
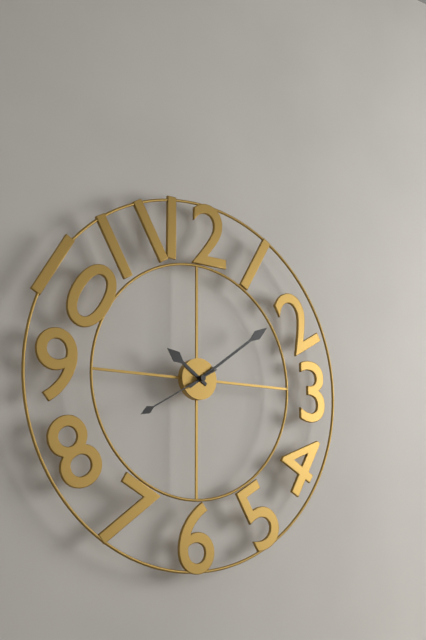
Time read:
10,09,40
